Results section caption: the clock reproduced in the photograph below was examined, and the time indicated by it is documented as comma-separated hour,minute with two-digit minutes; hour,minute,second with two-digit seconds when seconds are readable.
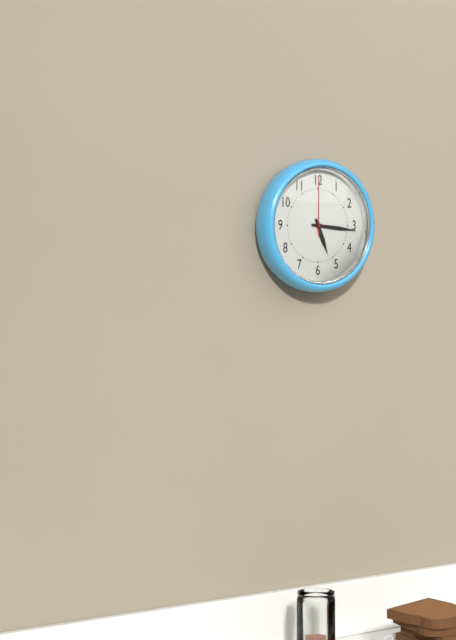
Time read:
5,16,00
